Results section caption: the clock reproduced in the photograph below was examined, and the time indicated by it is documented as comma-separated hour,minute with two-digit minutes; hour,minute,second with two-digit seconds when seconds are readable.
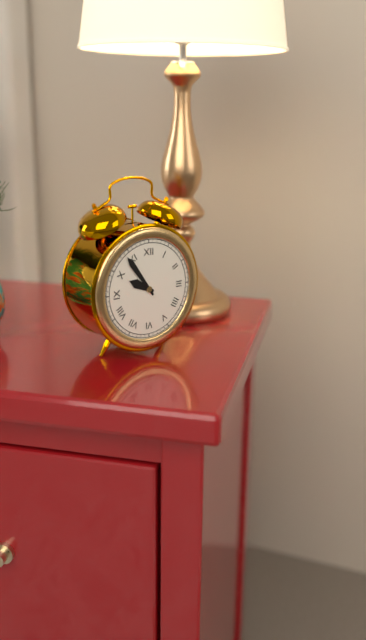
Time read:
9,54
